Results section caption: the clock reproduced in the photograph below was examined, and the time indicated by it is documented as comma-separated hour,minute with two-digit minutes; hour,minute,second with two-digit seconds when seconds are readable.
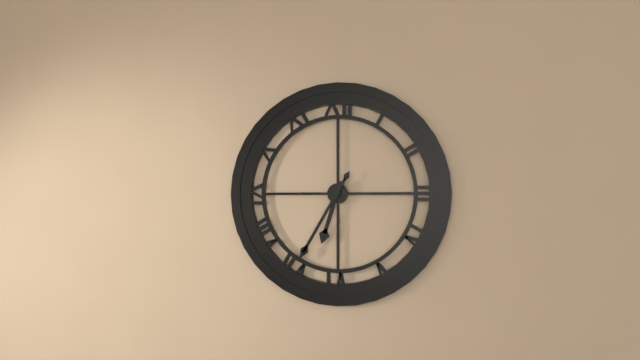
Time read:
6,35
